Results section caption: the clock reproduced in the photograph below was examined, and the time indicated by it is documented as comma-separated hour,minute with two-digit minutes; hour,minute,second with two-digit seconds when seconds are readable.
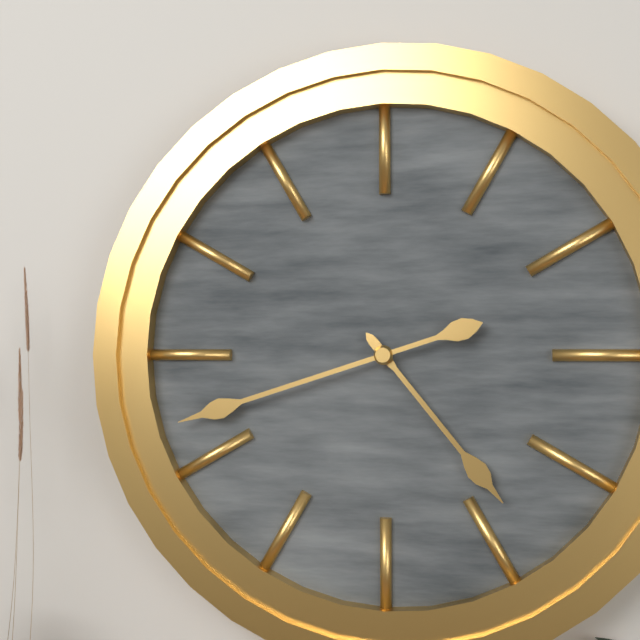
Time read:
4,42
